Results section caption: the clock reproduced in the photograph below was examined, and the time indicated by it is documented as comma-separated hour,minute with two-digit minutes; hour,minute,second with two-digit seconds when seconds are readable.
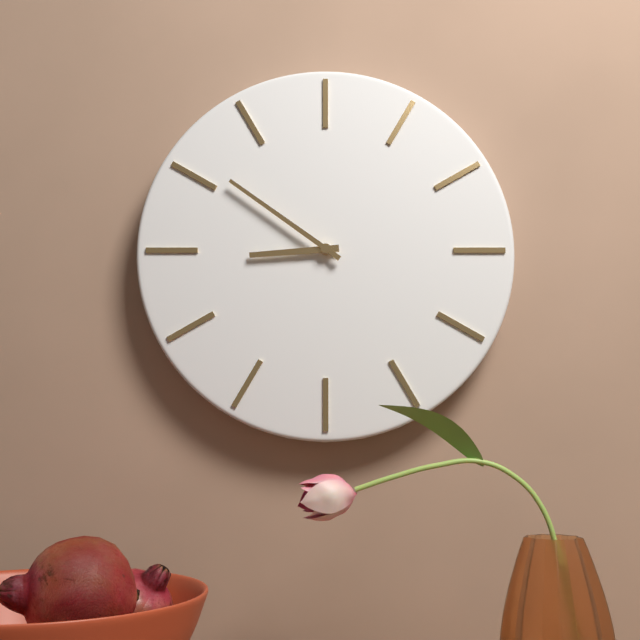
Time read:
8,51
